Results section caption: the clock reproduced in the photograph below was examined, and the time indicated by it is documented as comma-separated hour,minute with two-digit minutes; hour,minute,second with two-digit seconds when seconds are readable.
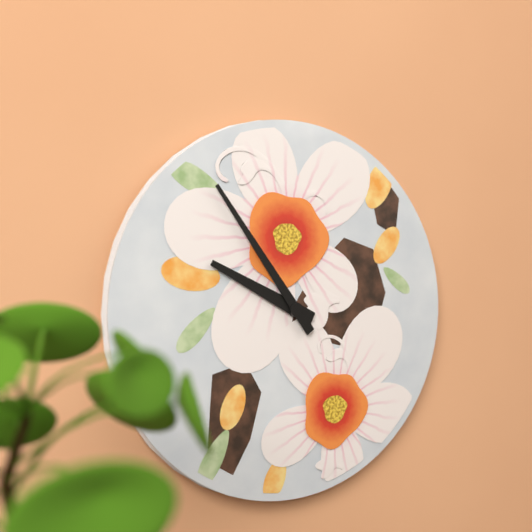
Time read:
9,54
